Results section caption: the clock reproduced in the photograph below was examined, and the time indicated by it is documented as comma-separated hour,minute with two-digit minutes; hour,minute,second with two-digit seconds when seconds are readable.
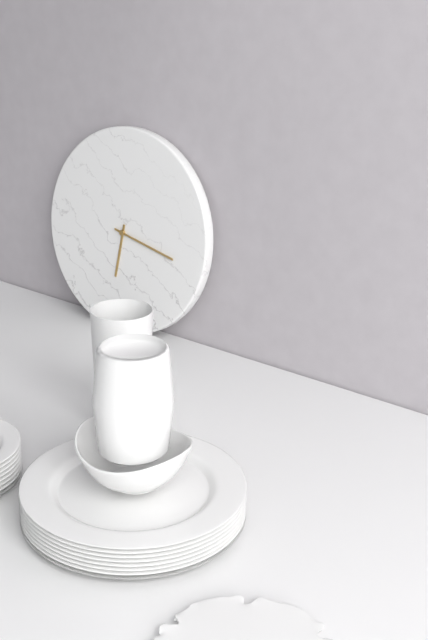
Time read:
6,17
